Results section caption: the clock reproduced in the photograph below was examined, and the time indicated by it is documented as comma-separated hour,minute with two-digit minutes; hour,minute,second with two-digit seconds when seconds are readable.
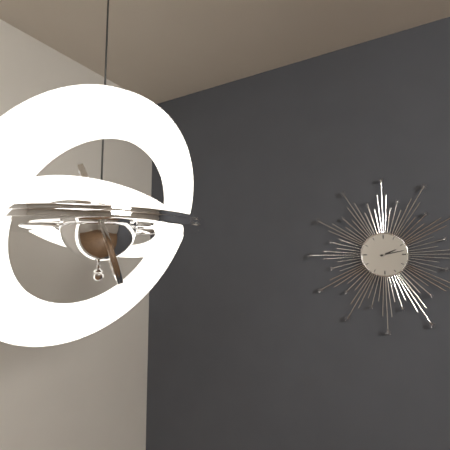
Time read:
2,13
